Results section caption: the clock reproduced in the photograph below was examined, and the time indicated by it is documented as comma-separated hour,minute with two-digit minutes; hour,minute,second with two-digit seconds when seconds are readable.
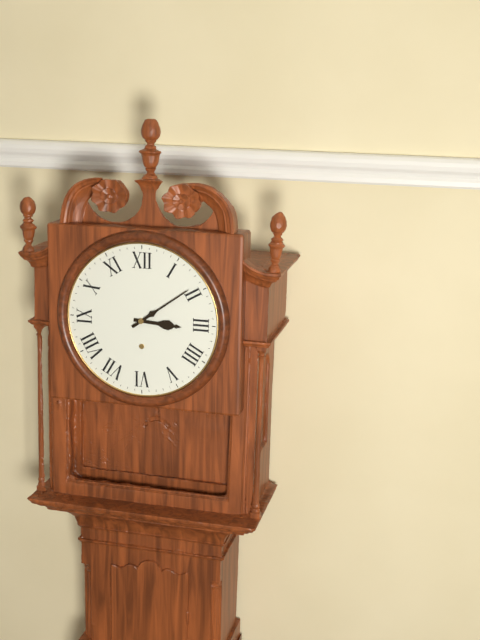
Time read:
3,09
